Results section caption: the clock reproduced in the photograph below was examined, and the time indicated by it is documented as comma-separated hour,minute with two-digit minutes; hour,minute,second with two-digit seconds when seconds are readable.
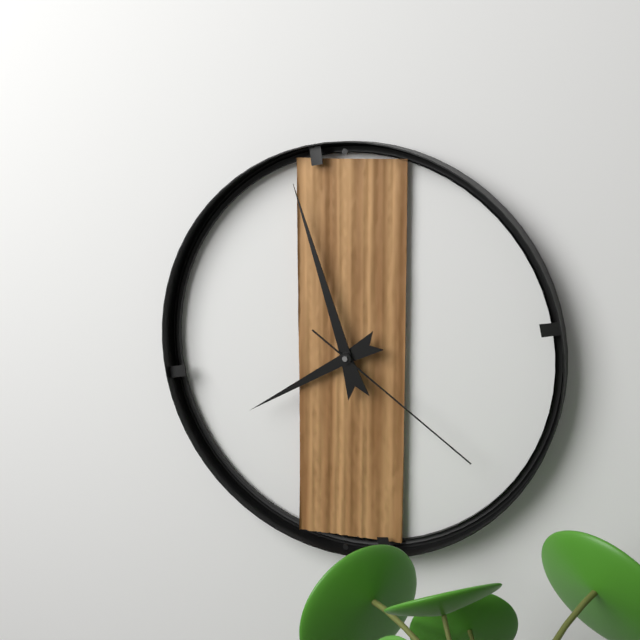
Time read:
7,57,21
